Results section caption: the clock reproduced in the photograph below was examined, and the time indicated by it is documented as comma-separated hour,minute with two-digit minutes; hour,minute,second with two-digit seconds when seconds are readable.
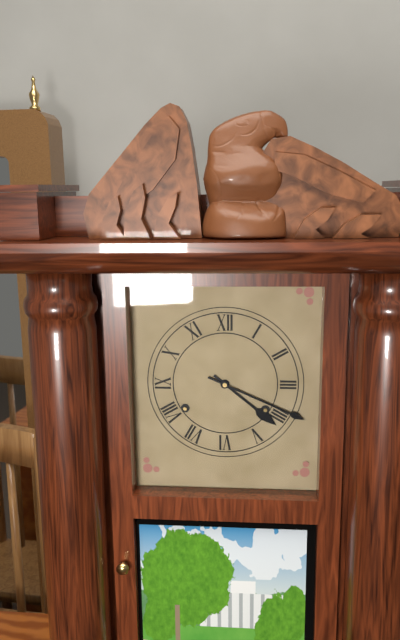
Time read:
4,19
